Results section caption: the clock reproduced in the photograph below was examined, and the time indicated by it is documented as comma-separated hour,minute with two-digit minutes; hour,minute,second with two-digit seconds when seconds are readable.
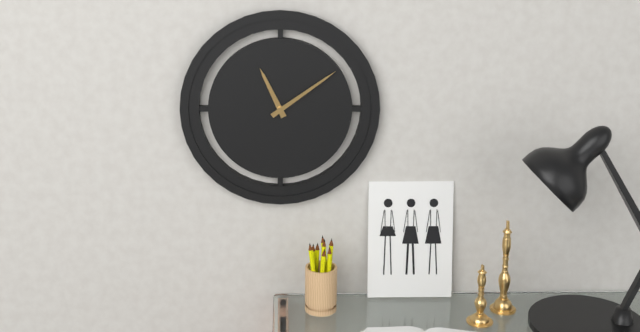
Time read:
11,09
